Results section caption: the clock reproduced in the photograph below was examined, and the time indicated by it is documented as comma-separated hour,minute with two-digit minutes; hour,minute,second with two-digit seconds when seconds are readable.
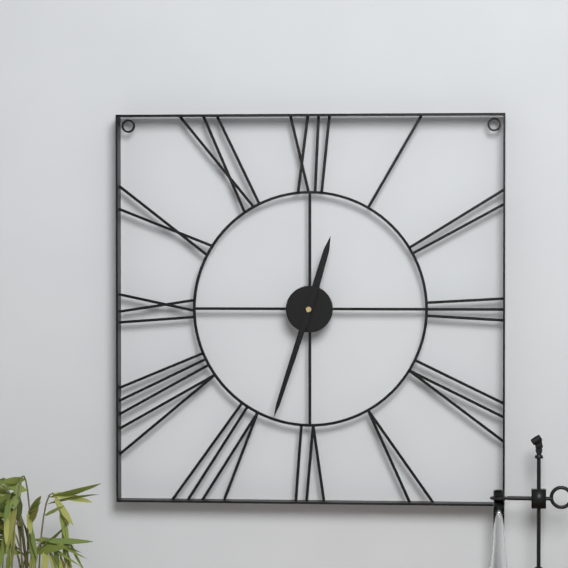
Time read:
12,33
